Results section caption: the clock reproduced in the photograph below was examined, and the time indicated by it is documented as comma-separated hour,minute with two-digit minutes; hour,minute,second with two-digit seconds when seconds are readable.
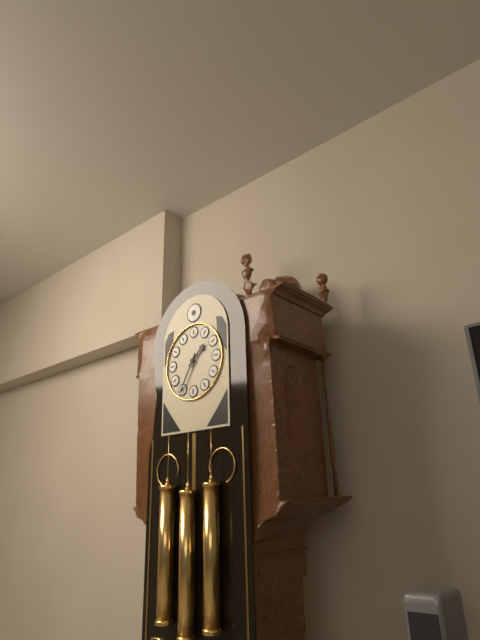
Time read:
1,35
